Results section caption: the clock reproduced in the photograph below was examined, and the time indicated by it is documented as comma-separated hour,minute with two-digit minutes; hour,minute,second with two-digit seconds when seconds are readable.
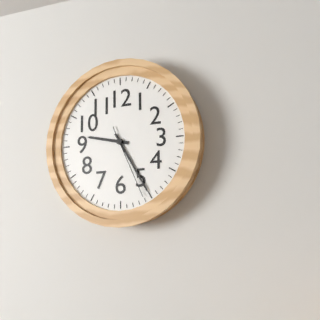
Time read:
9,25,26
